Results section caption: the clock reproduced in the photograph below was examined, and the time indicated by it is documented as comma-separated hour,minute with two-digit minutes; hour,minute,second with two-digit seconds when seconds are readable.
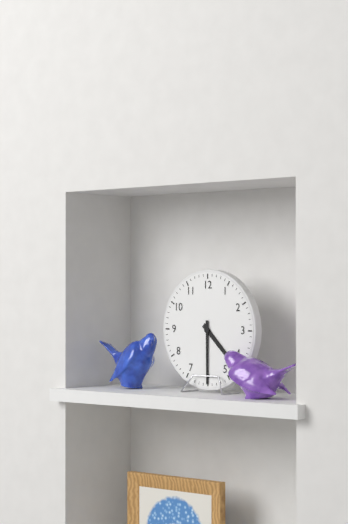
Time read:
4,30
